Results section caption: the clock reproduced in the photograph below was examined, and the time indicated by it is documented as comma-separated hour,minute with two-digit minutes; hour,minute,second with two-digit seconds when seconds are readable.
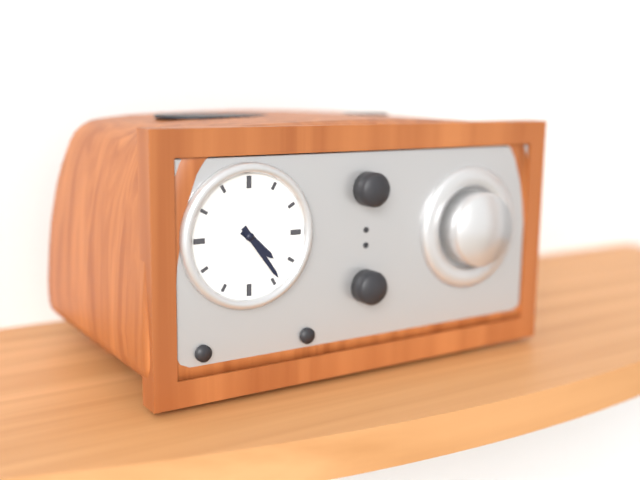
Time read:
4,24
